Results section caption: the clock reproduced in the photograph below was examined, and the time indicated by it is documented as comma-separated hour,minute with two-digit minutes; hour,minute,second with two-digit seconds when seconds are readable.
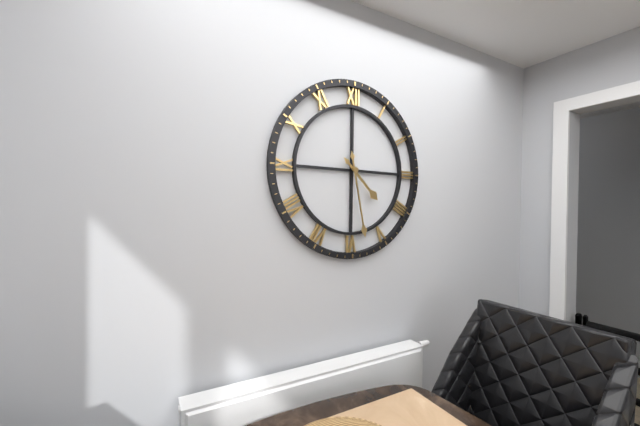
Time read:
4,28
